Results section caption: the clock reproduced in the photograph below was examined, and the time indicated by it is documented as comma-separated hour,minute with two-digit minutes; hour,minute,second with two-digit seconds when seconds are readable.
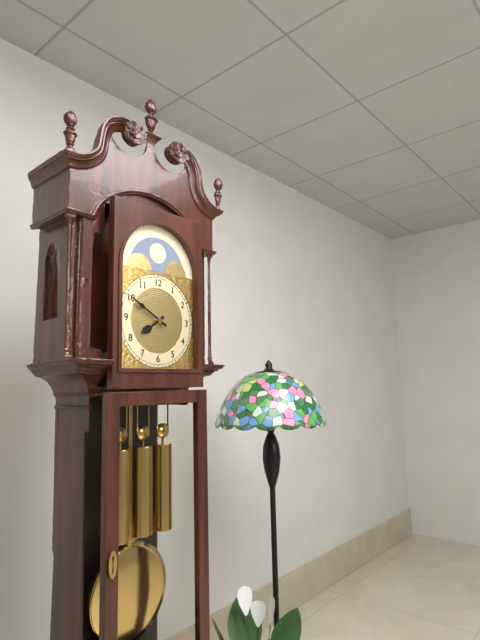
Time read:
7,50
